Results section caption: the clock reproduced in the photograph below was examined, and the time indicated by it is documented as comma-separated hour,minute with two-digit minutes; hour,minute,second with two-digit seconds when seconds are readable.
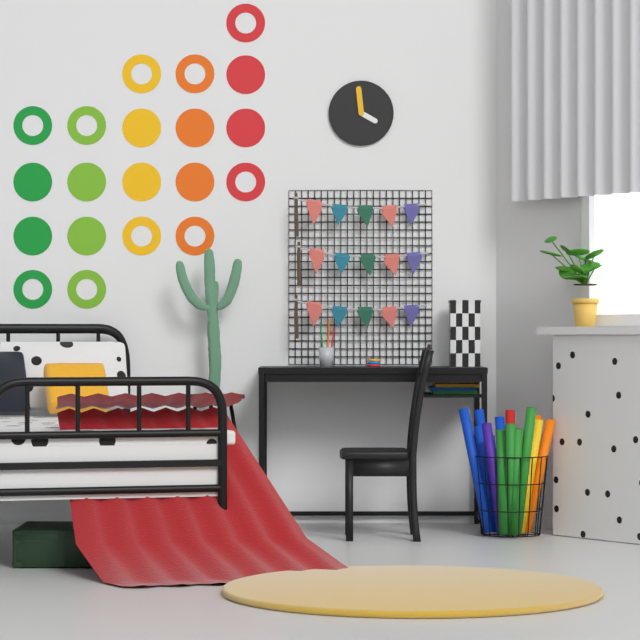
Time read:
3,59
